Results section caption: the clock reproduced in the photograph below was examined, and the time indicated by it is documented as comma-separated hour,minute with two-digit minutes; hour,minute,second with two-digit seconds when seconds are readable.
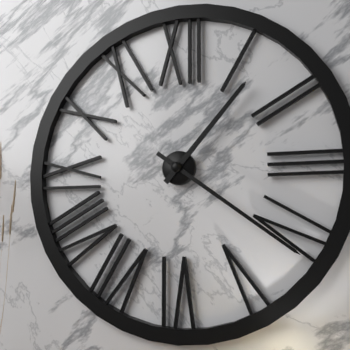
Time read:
1,21
